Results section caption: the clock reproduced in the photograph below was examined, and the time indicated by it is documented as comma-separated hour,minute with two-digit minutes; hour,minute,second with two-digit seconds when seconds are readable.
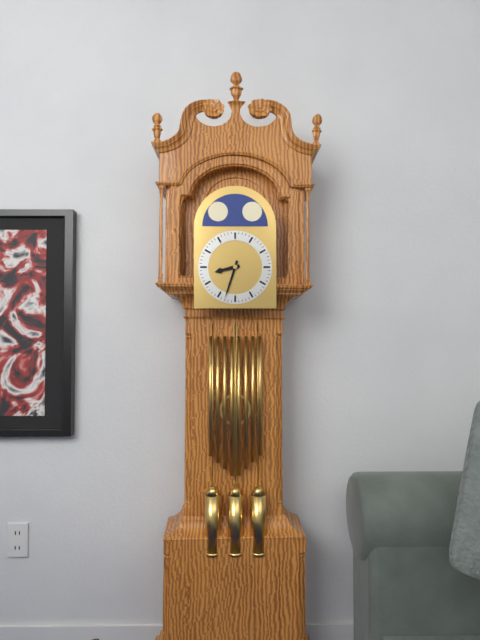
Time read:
8,33
